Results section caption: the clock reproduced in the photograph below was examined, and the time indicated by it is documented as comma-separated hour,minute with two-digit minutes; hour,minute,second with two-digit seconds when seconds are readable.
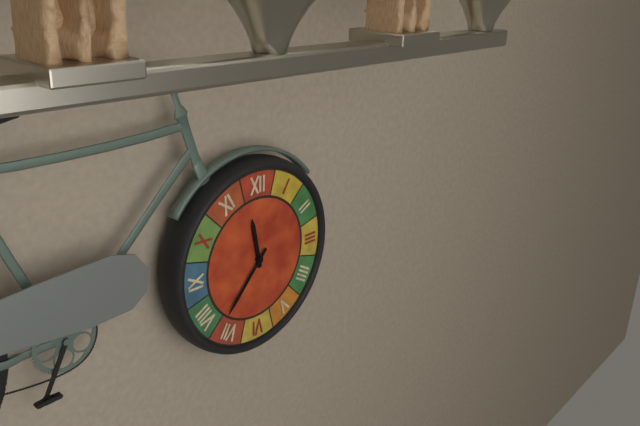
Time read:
11,37
